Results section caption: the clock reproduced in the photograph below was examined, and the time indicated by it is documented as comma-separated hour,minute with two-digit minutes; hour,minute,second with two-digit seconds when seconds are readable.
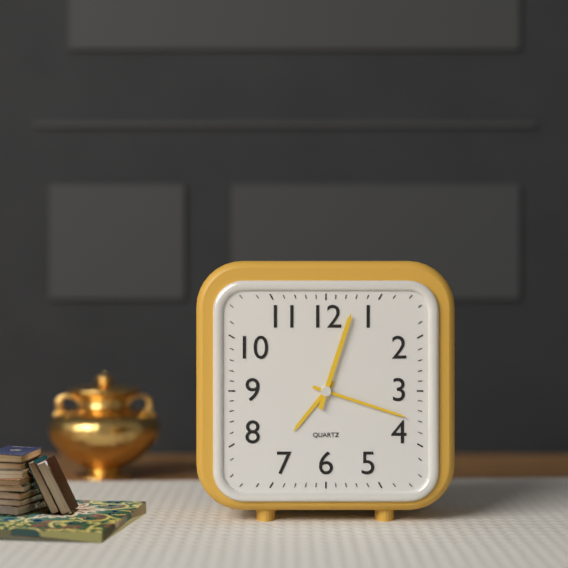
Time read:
7,18,03
